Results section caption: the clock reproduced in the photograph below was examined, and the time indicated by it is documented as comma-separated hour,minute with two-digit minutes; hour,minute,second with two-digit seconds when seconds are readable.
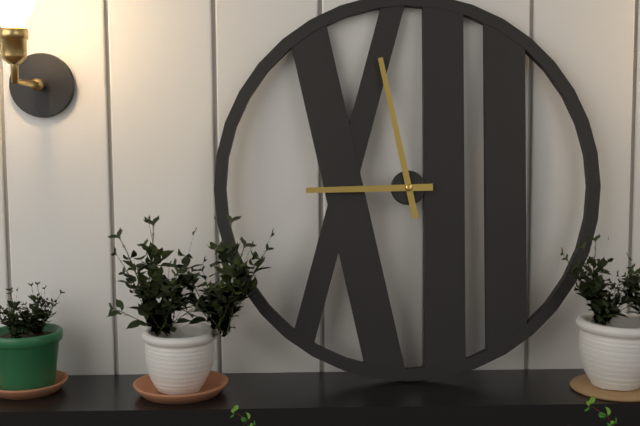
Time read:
8,58
